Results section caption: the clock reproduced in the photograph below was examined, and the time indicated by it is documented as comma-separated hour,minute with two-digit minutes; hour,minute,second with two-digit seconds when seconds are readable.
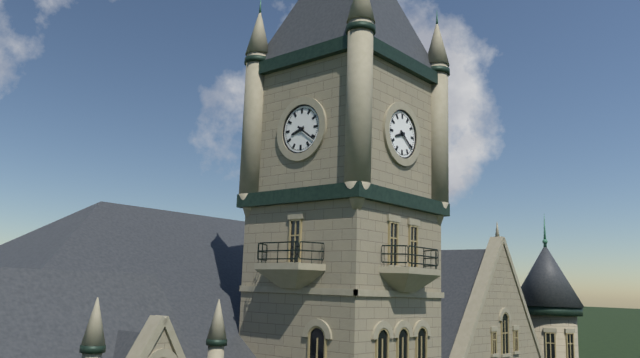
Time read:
8,21
